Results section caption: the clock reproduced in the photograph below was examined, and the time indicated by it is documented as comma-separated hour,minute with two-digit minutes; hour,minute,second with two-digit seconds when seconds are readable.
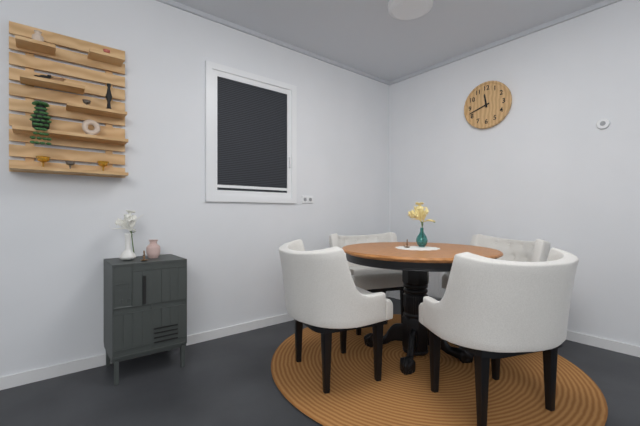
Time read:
11,42
